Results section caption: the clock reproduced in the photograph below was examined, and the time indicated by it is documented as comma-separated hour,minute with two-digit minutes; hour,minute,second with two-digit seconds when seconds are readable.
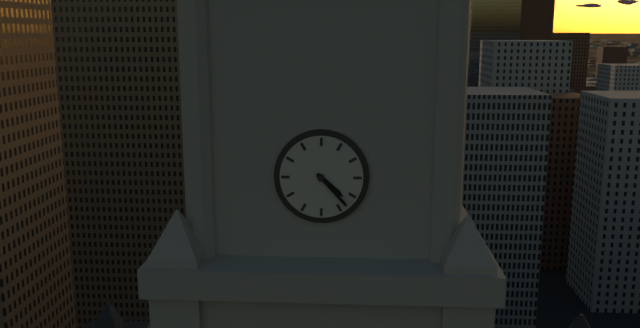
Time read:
4,23
